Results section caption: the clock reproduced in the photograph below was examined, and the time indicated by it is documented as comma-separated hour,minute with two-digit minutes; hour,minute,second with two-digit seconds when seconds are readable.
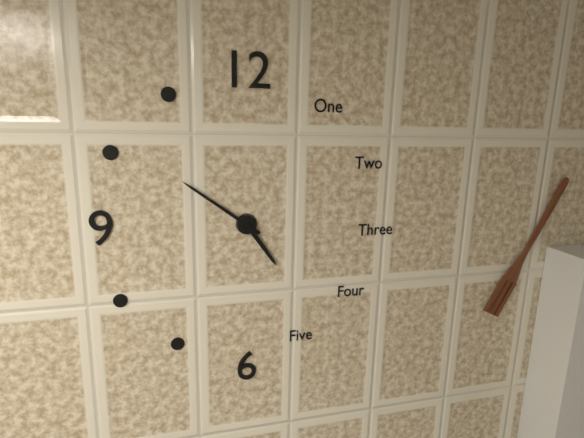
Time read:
4,51
